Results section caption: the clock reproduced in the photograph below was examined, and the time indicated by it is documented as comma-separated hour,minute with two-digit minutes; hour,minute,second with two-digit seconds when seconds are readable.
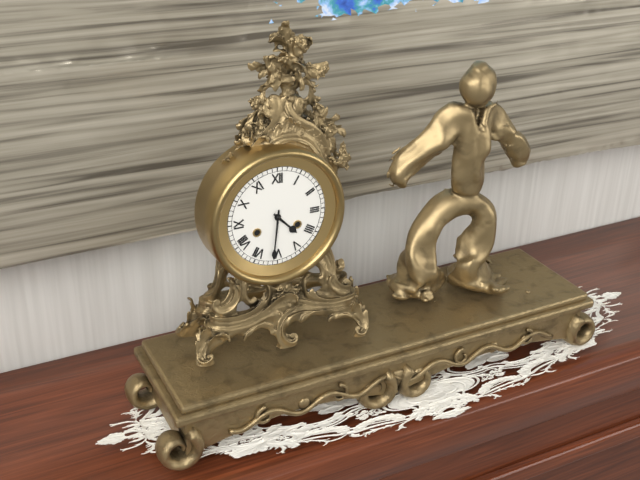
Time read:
4,31
